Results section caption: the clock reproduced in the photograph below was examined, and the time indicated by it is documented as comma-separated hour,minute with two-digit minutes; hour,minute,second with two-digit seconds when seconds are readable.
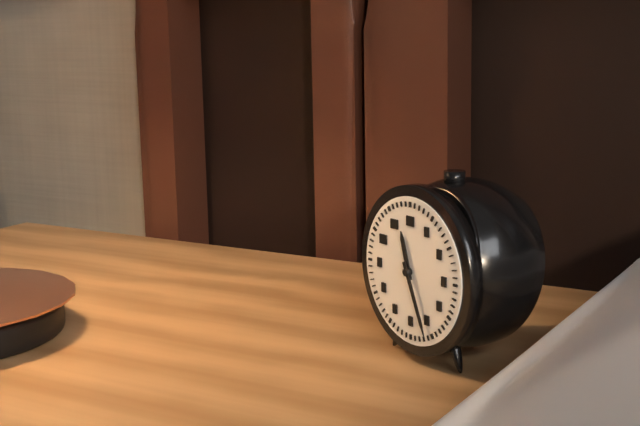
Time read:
11,26
